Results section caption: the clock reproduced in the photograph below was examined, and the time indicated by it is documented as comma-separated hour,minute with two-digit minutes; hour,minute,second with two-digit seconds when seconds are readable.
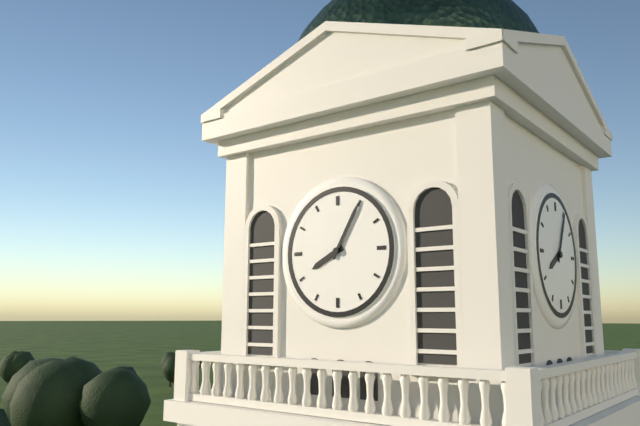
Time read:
8,05
